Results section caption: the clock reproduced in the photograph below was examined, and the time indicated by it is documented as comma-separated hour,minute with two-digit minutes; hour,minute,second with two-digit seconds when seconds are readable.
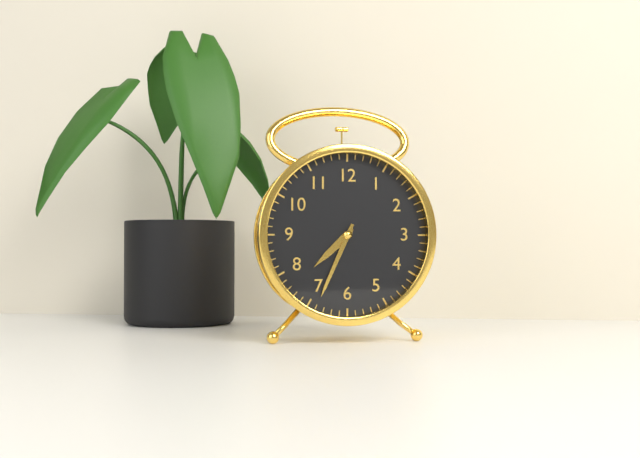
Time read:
7,34
